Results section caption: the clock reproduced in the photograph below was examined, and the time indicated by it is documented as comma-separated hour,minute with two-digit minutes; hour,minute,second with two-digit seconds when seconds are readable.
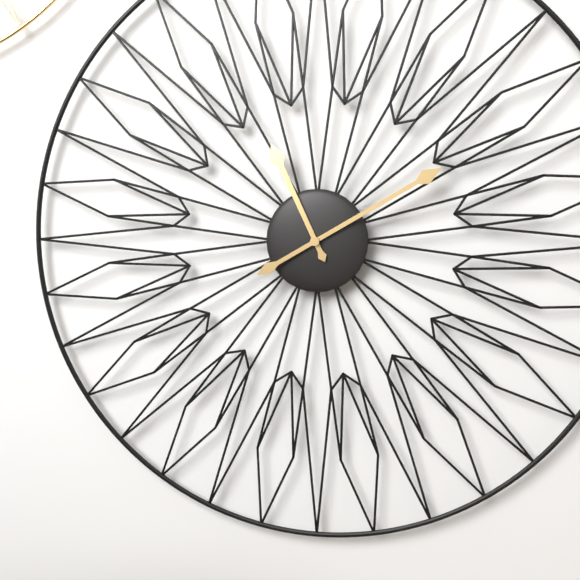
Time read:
11,10
